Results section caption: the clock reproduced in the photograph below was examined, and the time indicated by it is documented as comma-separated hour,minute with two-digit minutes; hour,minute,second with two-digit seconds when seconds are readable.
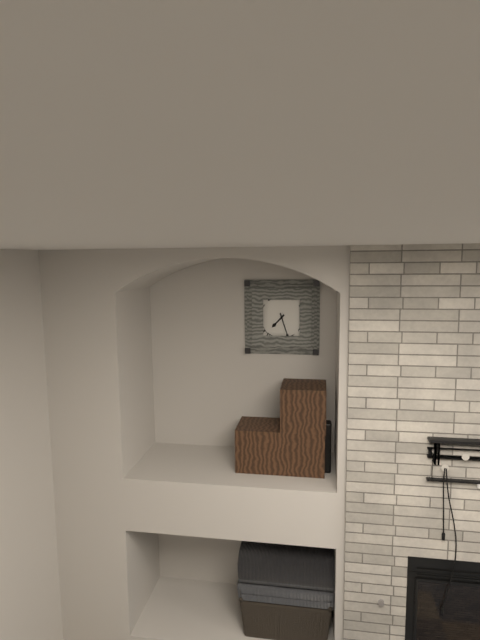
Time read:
7,27
